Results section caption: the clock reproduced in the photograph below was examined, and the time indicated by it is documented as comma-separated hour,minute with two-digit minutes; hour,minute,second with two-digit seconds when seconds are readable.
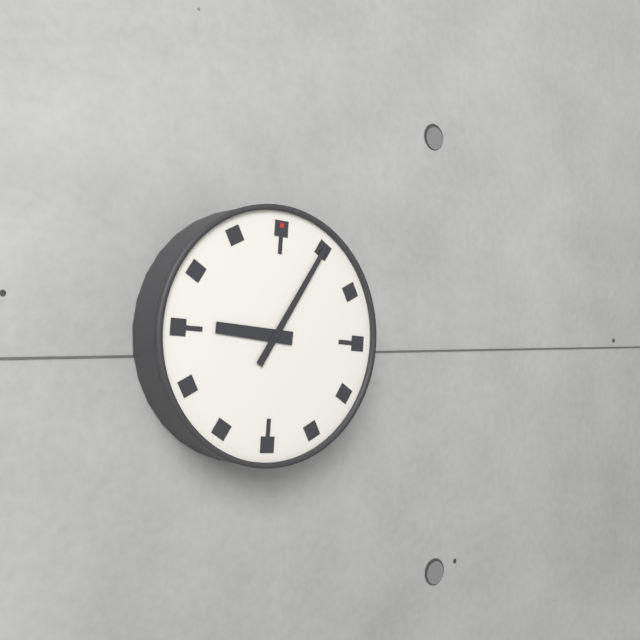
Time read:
9,05
